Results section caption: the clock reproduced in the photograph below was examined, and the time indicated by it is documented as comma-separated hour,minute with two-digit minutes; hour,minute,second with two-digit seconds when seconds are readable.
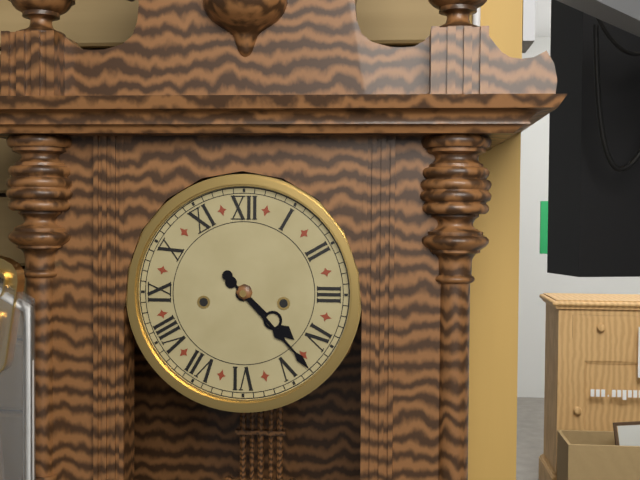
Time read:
4,23
